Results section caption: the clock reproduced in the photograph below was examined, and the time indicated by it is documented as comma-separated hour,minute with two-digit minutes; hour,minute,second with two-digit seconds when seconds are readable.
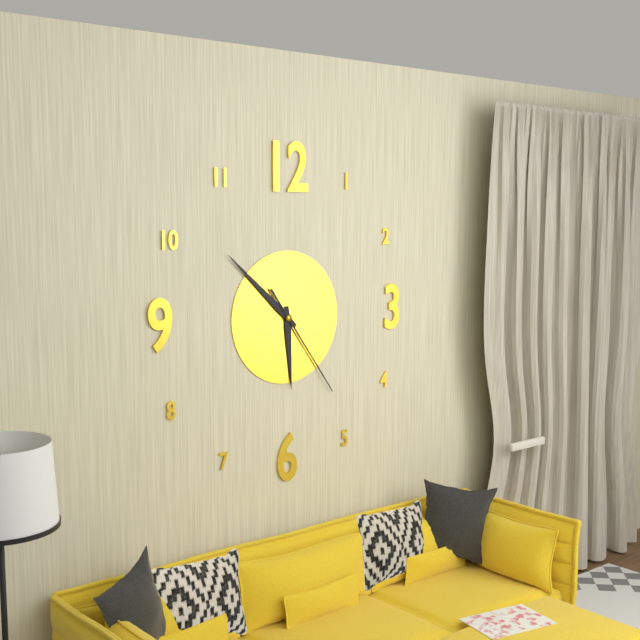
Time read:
5,52,24
